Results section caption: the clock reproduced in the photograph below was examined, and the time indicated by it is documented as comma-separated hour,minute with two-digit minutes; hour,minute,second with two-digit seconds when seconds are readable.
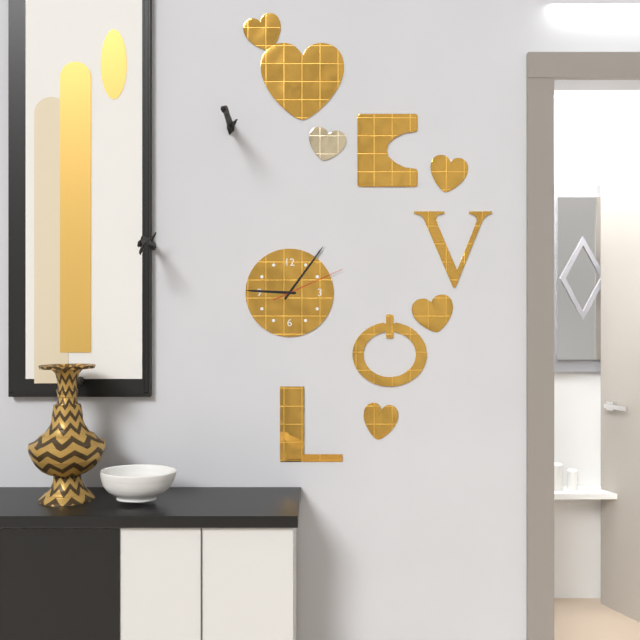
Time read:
9,06,11
